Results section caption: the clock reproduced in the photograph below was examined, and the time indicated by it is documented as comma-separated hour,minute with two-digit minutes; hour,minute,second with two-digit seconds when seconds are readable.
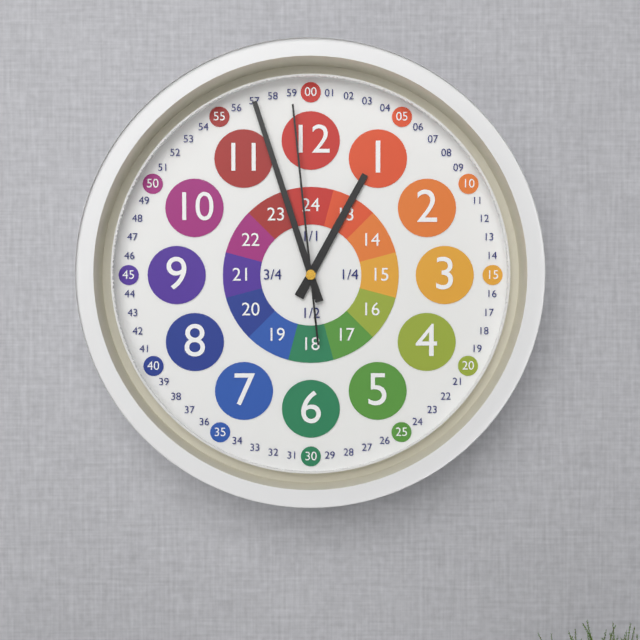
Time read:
12,57,59
